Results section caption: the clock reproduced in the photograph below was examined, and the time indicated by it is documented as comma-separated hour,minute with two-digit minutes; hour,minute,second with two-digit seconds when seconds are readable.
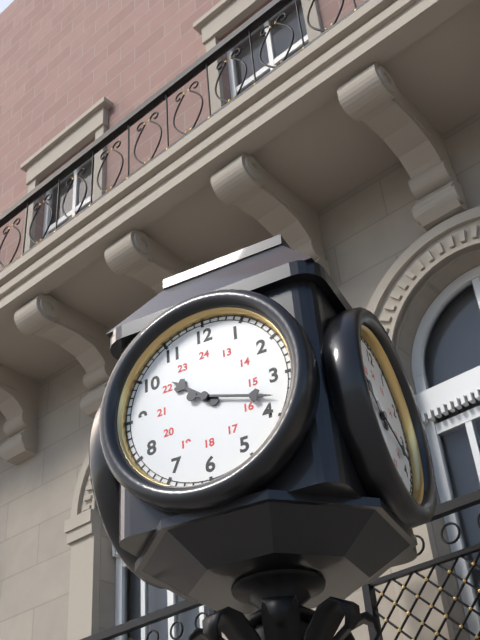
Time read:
10,18
